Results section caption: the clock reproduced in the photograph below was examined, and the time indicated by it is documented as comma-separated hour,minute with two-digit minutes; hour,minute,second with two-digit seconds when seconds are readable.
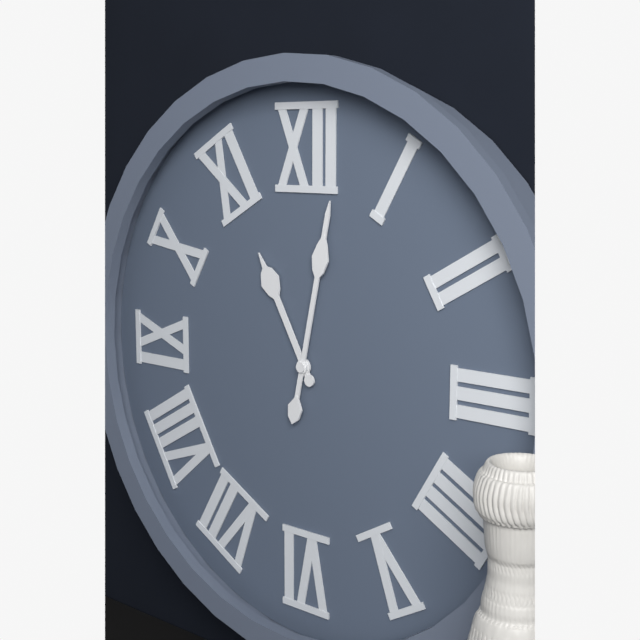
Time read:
11,02
